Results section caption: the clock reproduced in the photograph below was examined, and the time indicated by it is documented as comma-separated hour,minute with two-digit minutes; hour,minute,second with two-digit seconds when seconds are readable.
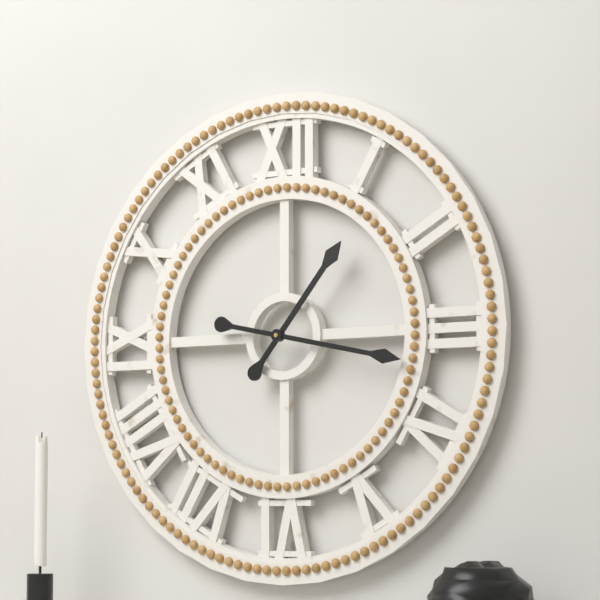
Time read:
1,17
